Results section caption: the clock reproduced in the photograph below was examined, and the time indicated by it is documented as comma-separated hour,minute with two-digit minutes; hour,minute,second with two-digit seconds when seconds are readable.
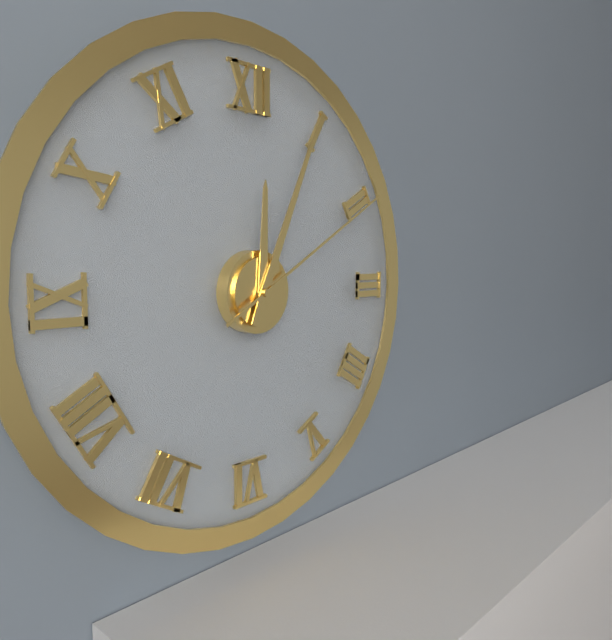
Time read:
12,04,10
